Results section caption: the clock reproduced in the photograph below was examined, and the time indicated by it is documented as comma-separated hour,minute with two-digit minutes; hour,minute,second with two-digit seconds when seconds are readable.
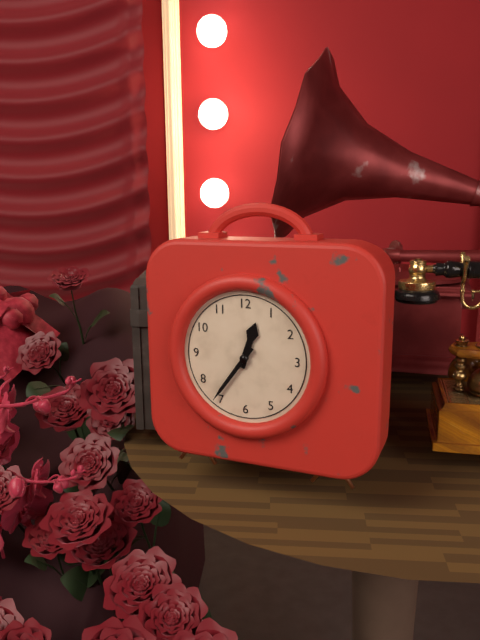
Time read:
12,36
